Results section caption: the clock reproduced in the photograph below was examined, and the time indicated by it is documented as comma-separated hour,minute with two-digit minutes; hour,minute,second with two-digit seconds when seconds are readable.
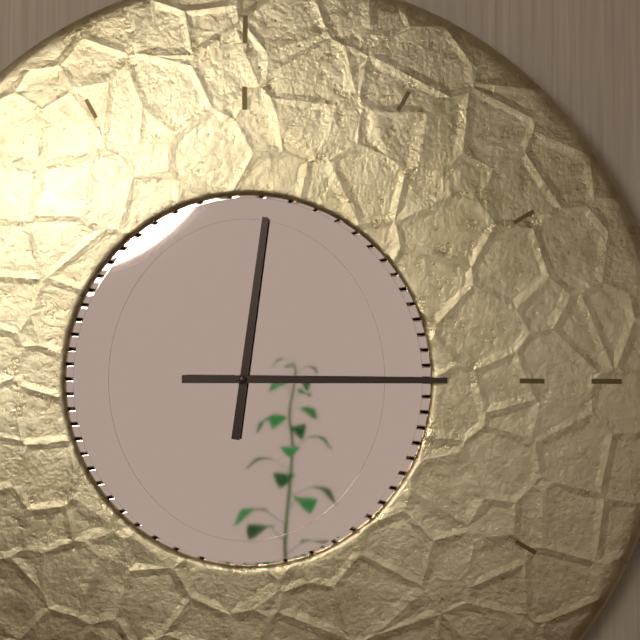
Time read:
12,15
